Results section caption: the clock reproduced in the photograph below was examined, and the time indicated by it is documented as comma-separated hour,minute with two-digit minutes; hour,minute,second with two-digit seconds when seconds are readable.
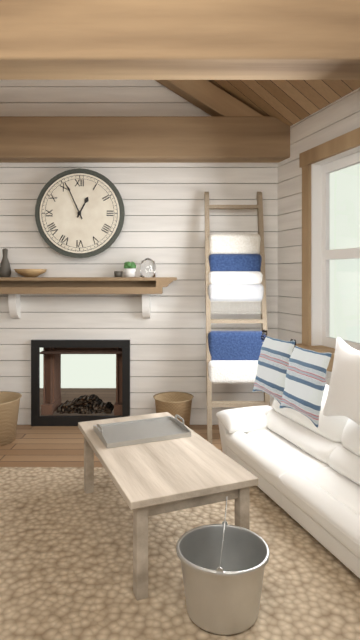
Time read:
12,56
